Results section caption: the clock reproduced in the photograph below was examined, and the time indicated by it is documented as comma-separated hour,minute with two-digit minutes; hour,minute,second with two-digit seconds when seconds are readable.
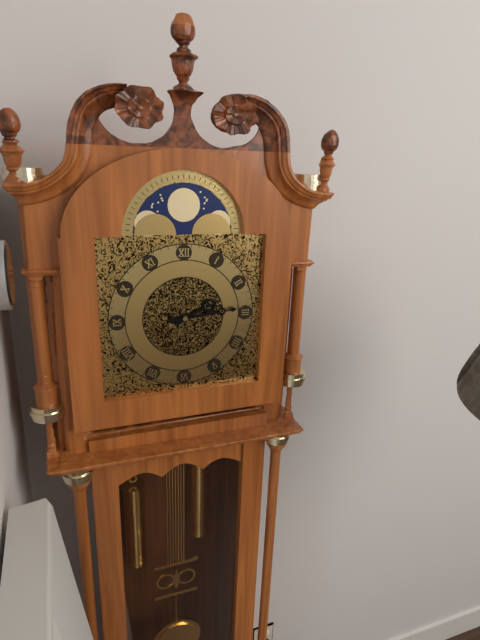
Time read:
2,14
